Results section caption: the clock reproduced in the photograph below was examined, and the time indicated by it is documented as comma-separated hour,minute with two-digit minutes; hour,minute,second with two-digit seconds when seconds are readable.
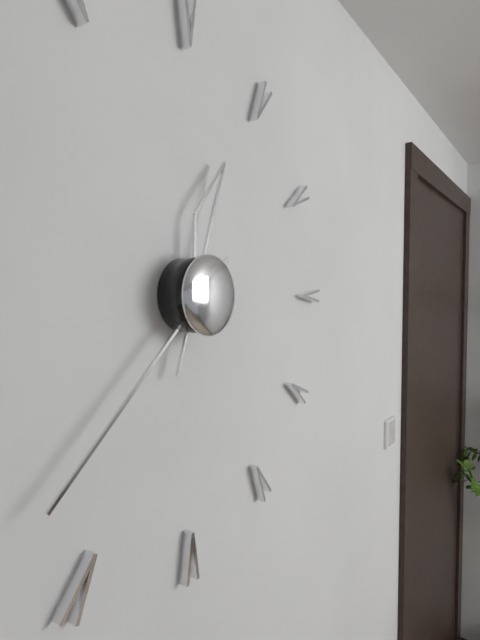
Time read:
12,38
